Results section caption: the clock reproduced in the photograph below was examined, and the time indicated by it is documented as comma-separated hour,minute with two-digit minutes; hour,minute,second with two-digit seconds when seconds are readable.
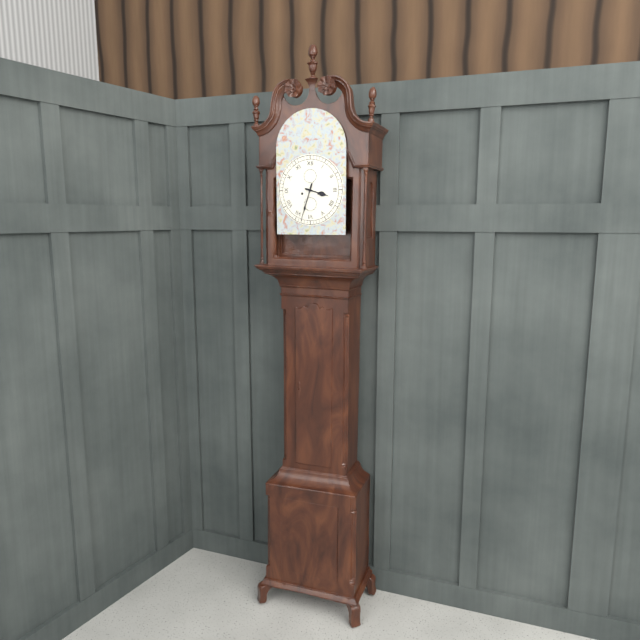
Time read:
3,33
